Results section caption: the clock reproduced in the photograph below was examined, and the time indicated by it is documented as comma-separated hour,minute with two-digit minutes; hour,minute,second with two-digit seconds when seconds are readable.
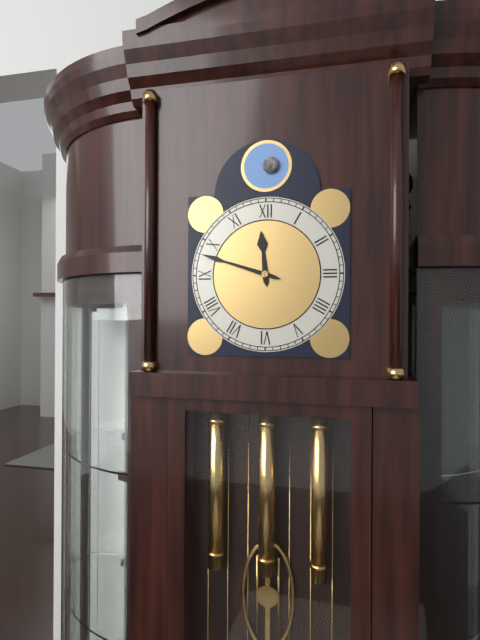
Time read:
11,48
